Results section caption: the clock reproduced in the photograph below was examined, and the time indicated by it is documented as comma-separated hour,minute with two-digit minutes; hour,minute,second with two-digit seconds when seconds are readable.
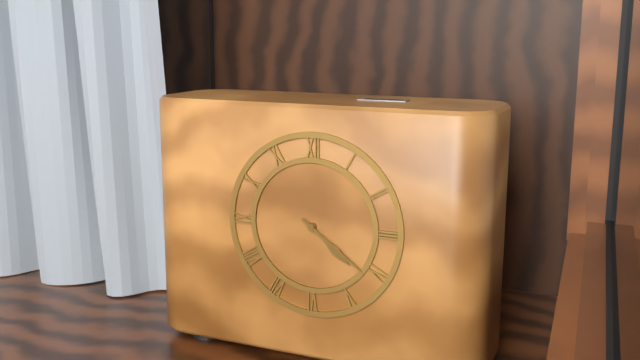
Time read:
4,21
